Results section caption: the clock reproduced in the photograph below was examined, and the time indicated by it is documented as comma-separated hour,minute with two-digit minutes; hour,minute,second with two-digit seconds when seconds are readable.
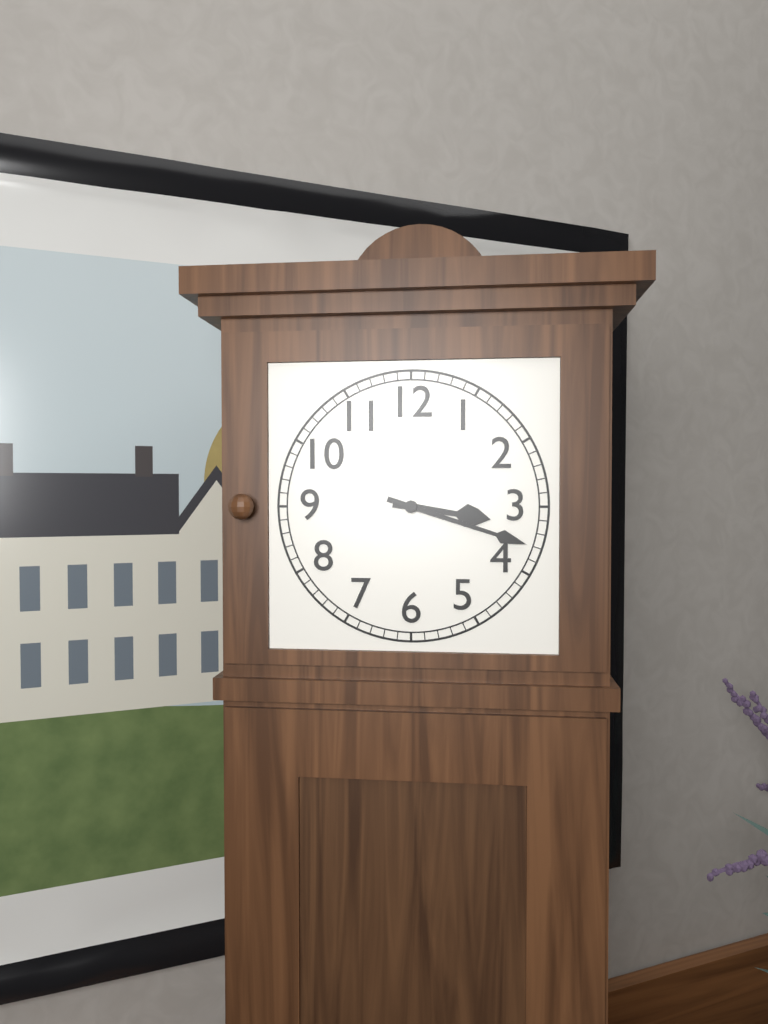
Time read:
3,18
